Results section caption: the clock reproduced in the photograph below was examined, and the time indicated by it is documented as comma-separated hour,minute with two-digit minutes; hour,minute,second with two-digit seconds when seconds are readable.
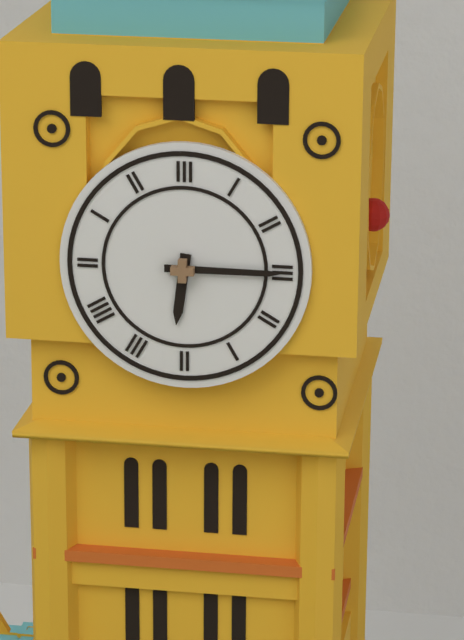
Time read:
6,15
